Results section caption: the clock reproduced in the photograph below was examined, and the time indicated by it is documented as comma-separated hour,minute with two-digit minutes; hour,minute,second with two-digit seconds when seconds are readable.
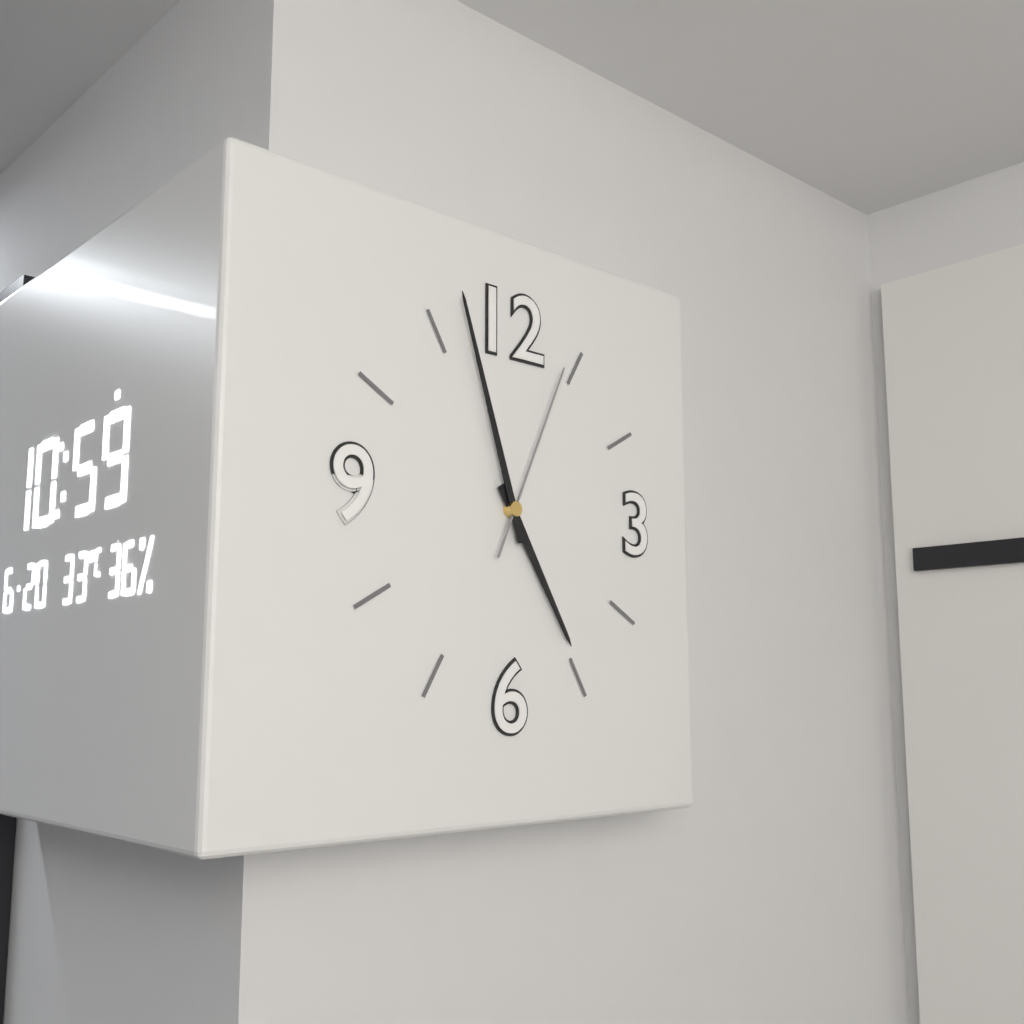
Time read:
4,57,04
